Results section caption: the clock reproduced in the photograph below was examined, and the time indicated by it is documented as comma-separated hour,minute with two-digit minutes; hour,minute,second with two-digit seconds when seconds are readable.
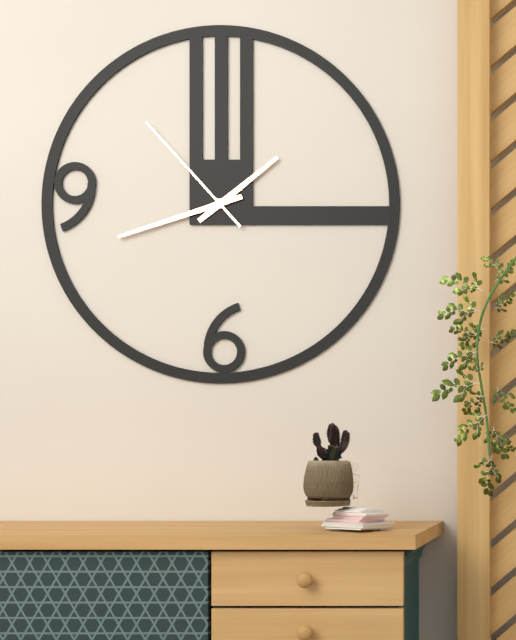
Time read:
1,42,53
